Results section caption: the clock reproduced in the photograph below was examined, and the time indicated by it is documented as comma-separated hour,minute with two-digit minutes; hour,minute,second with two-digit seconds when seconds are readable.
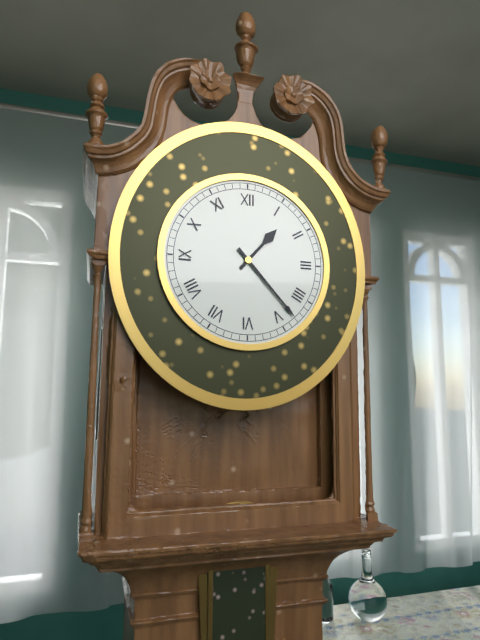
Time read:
1,23
